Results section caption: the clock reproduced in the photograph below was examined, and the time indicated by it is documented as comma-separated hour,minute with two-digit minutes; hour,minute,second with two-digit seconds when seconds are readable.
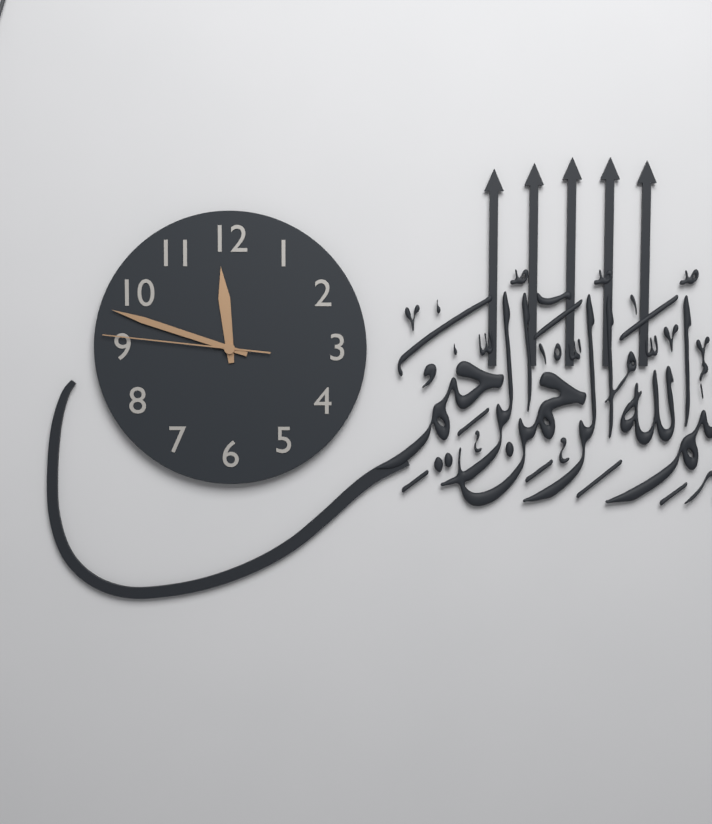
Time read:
11,48,46
